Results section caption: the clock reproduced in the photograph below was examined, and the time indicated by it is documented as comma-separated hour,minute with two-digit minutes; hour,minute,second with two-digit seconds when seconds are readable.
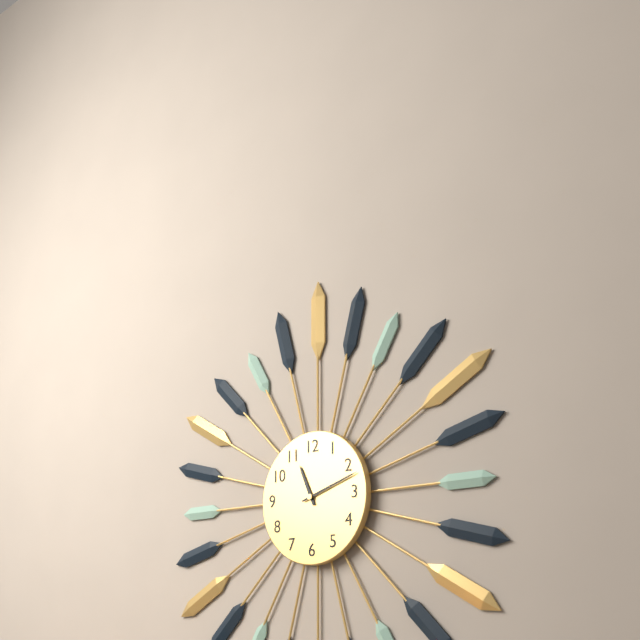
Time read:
11,12
